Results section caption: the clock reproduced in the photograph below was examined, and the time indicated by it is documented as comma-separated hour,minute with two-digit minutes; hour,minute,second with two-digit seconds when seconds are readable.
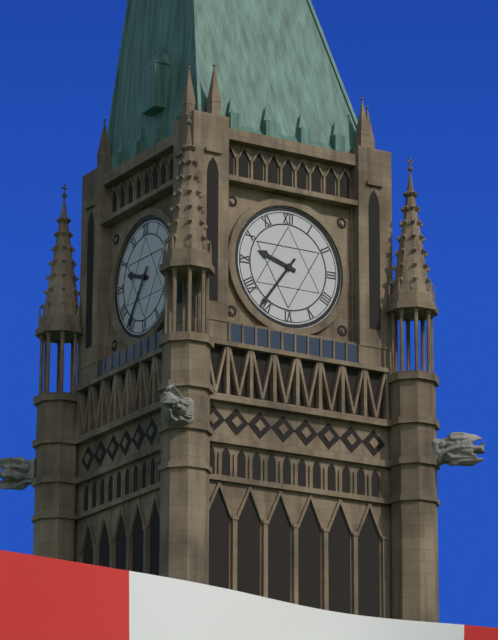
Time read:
9,36
